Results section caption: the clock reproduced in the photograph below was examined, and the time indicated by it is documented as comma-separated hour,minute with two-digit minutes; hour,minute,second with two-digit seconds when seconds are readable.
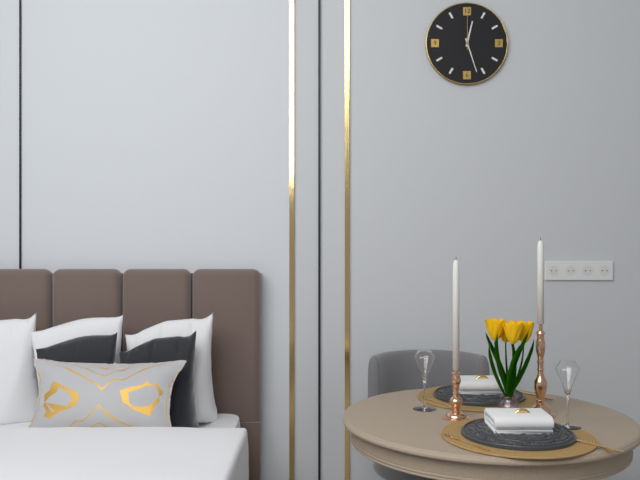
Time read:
12,27
